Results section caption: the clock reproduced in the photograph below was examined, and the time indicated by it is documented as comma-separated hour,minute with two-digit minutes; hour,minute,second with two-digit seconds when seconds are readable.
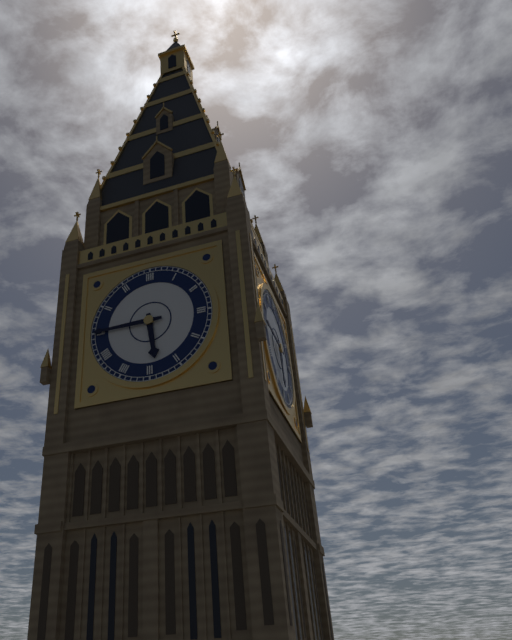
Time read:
5,45
